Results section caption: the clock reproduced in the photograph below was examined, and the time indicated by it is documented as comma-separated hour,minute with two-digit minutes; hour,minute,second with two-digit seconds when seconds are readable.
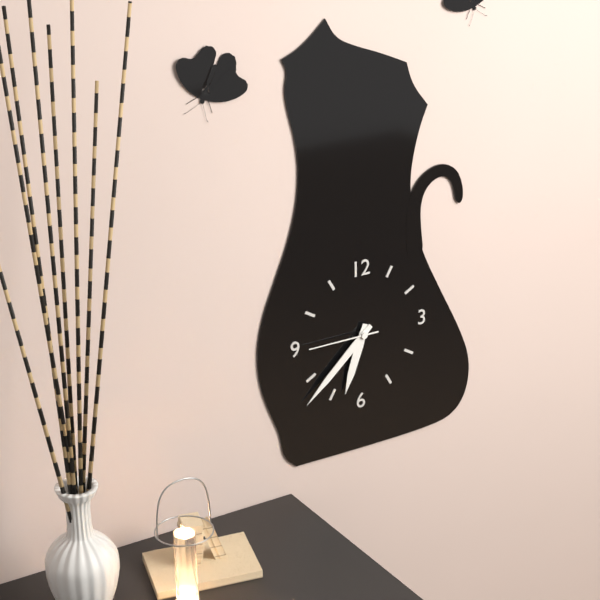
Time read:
6,38,45
